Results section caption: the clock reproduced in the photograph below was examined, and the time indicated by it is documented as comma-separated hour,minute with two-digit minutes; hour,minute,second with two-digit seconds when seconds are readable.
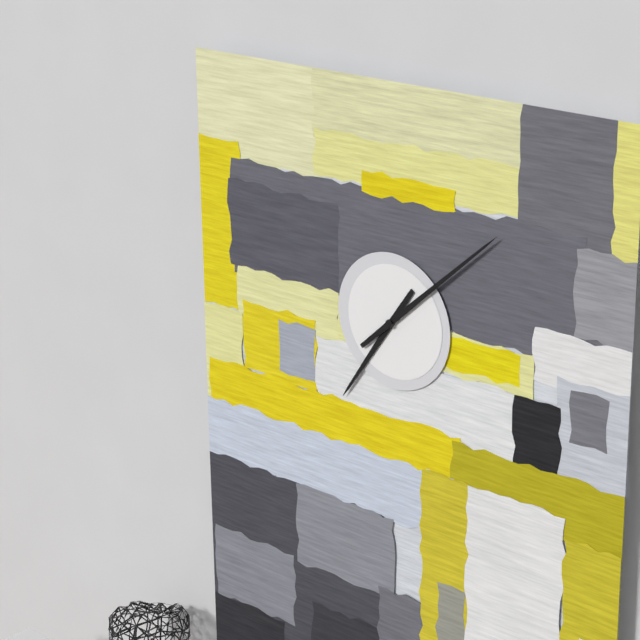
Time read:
7,08
